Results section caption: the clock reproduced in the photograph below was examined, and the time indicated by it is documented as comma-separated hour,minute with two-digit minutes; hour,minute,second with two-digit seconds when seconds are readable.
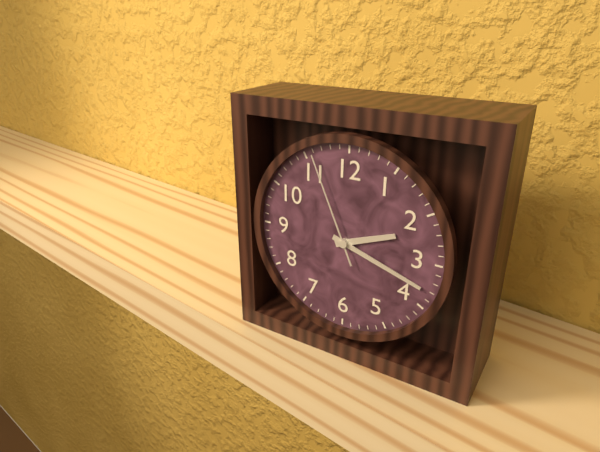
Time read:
2,18,56
